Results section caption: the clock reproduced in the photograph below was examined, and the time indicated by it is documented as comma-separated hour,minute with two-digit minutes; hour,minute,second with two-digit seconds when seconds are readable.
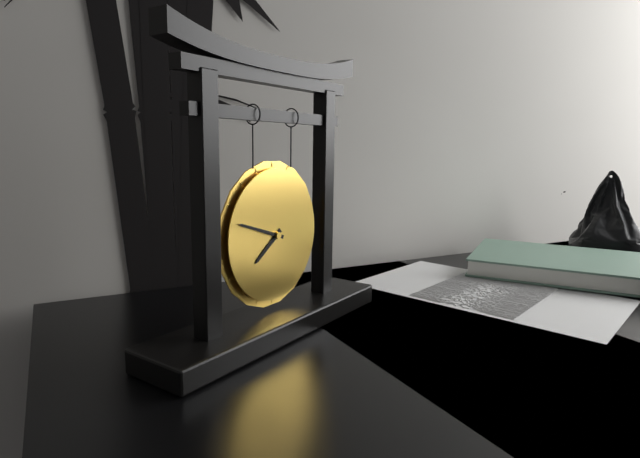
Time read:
7,48
